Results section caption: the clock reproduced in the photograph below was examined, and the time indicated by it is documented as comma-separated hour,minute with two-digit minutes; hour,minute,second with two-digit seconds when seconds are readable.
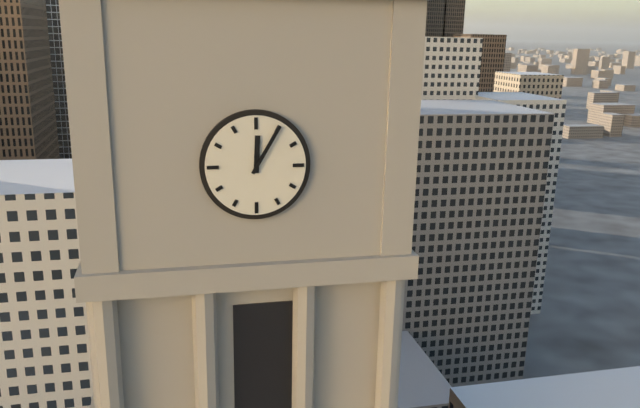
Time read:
12,05
